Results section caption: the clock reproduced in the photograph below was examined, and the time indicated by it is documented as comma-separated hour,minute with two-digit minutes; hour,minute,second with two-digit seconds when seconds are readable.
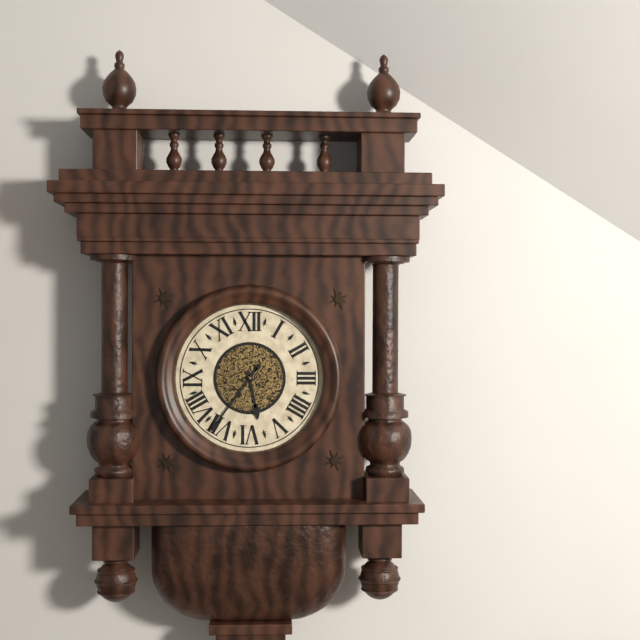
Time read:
5,36
